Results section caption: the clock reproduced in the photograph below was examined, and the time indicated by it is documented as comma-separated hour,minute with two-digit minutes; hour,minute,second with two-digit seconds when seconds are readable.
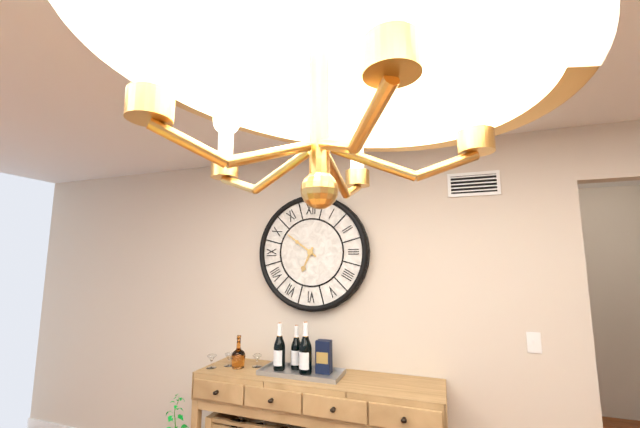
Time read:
6,51
